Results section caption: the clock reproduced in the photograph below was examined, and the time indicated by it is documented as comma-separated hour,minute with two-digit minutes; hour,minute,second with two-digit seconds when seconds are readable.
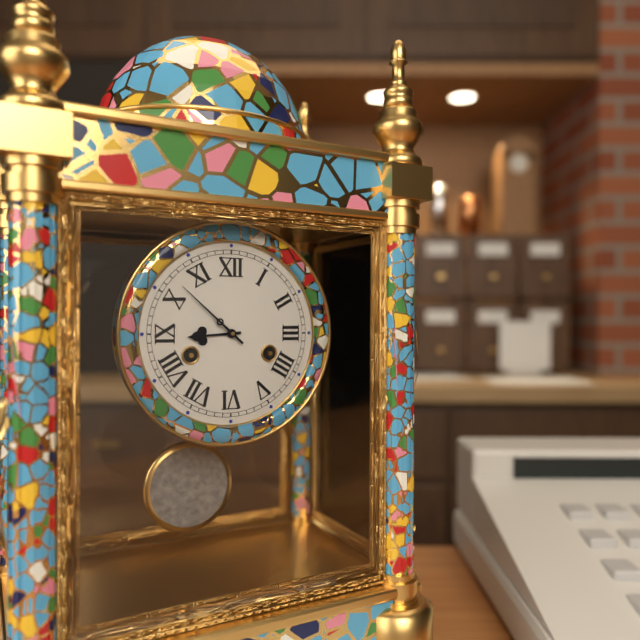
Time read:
8,52
